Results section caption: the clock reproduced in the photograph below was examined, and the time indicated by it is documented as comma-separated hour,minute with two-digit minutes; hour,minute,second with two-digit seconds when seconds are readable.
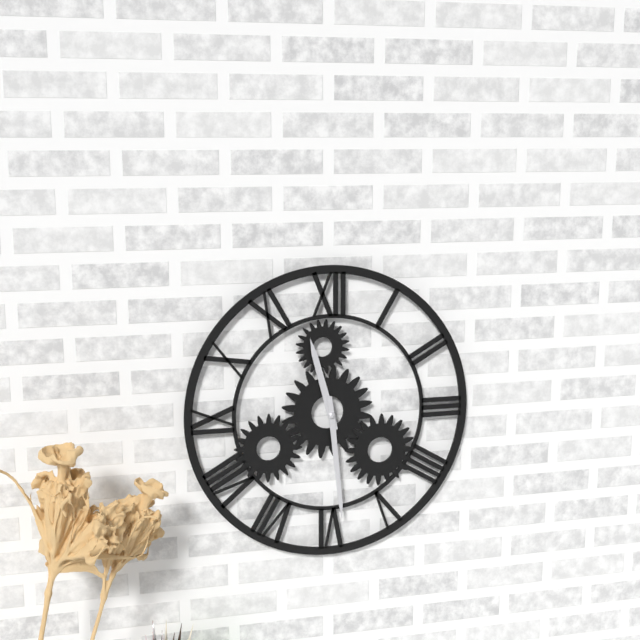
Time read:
11,29
